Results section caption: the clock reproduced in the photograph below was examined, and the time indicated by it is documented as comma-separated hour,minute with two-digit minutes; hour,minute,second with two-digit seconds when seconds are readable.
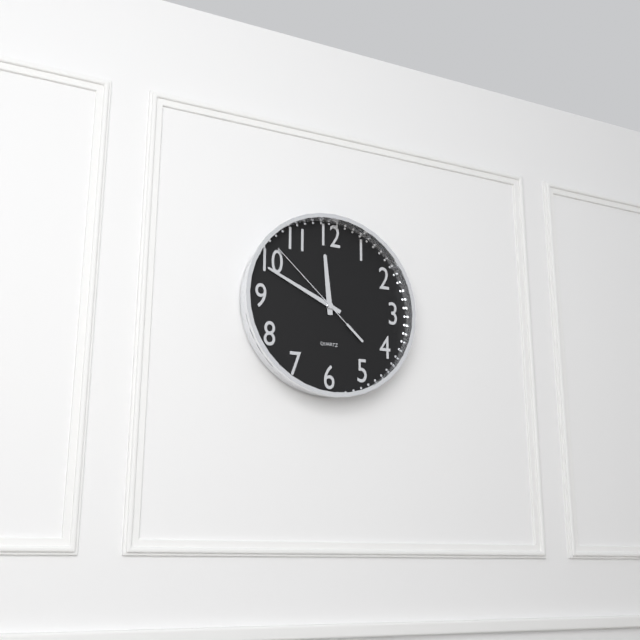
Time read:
11,49,52
